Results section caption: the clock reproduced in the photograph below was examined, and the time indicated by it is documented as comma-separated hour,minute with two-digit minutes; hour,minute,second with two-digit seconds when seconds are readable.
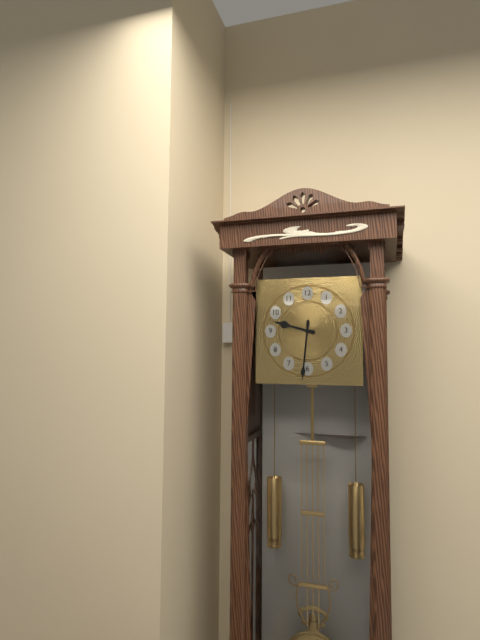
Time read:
9,31
